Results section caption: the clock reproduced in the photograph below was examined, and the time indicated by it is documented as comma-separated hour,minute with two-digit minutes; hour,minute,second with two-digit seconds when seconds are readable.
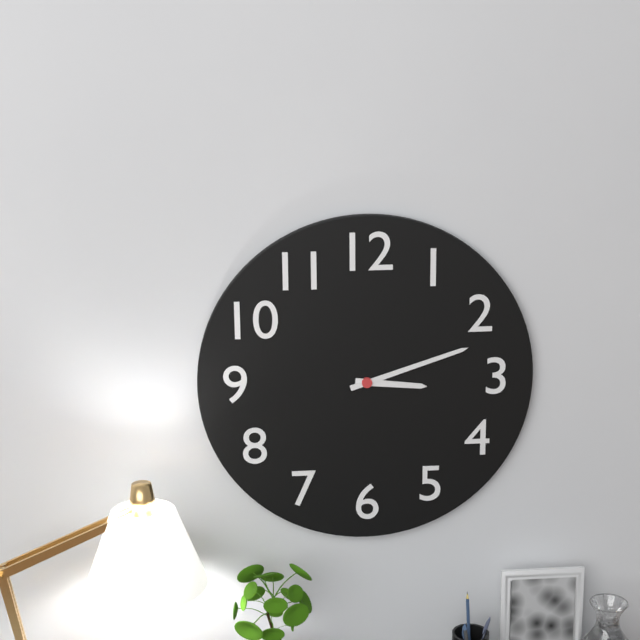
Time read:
3,12
